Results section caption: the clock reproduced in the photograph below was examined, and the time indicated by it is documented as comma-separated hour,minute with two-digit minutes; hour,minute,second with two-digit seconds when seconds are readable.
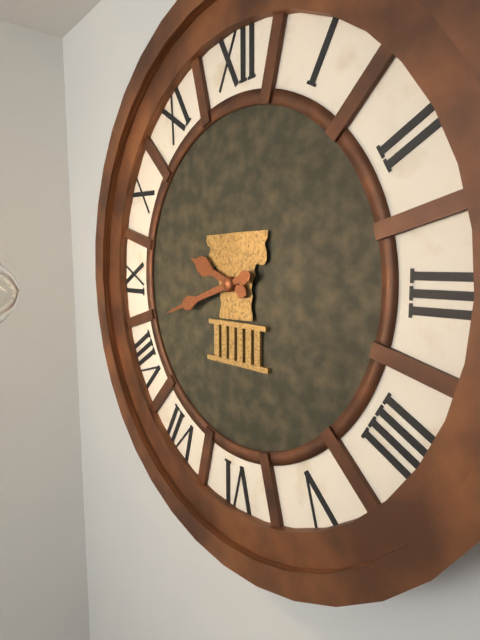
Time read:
9,42
